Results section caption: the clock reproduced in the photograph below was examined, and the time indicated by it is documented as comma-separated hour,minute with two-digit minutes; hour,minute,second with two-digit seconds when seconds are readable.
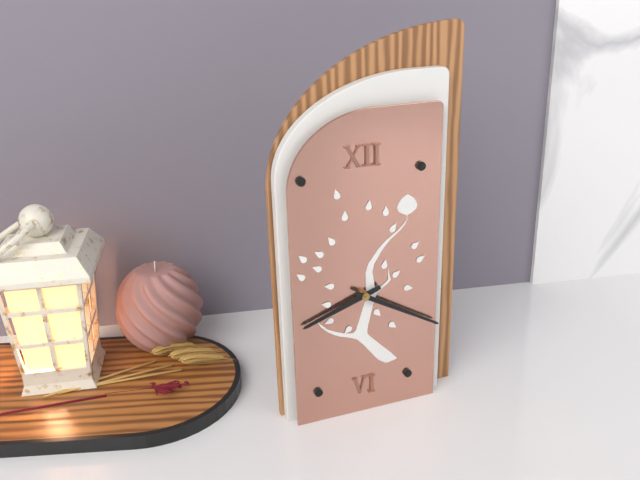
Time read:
8,20
